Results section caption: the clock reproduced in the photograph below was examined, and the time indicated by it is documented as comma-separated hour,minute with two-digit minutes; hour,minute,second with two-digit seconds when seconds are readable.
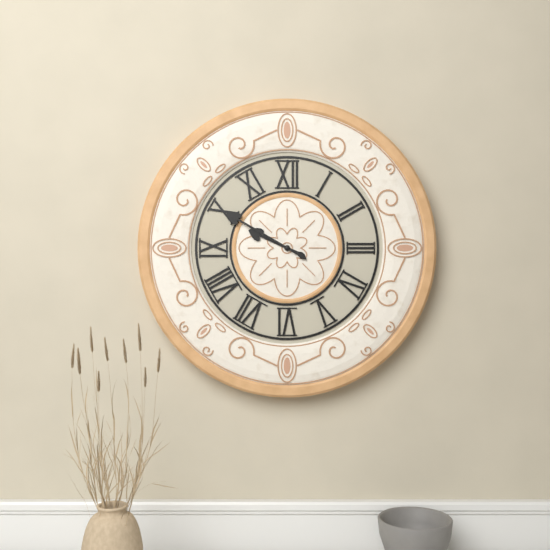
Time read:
9,50
